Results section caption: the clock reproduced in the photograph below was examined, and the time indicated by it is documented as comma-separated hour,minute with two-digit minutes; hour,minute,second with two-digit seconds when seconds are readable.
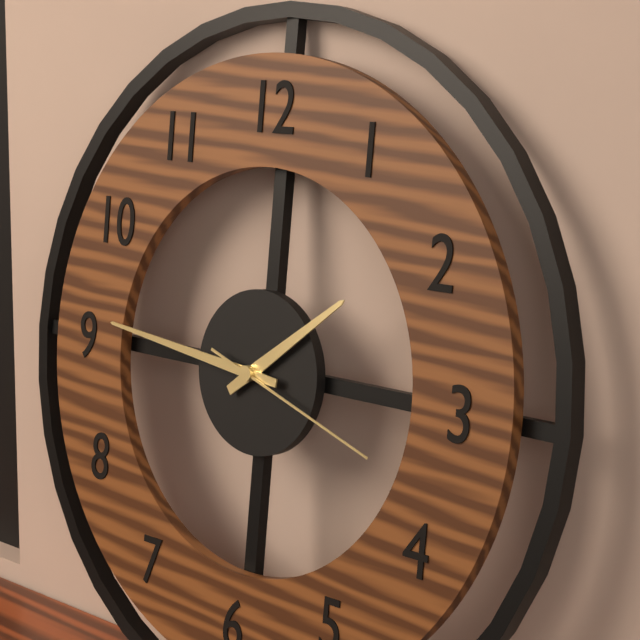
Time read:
1,46,18
